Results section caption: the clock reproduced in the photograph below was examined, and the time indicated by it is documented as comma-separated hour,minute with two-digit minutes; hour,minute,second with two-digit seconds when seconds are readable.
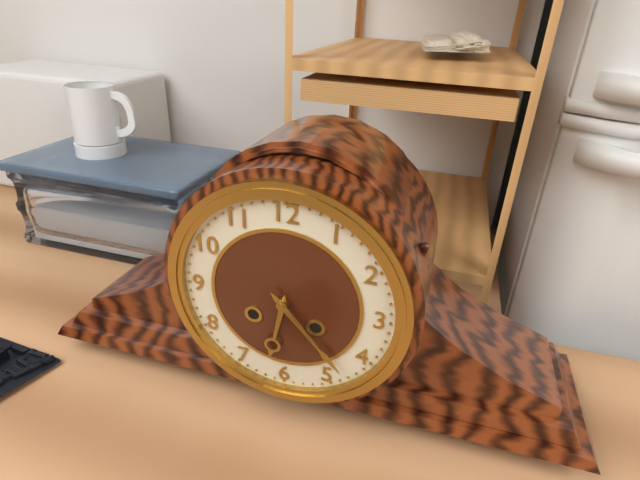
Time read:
6,23
